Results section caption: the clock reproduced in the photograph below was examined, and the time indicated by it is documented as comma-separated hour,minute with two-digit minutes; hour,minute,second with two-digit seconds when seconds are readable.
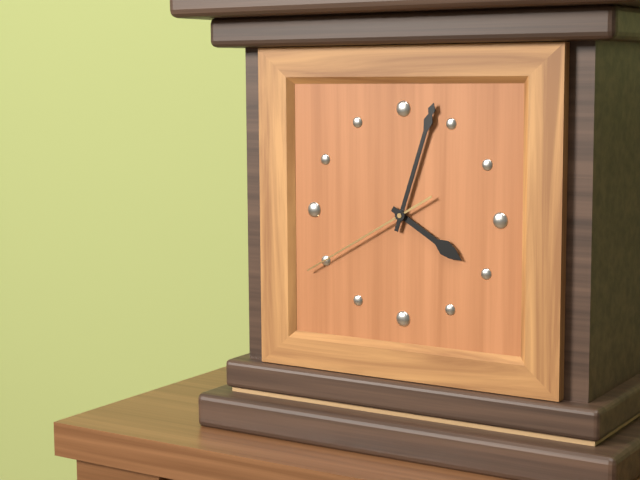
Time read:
4,03,40
